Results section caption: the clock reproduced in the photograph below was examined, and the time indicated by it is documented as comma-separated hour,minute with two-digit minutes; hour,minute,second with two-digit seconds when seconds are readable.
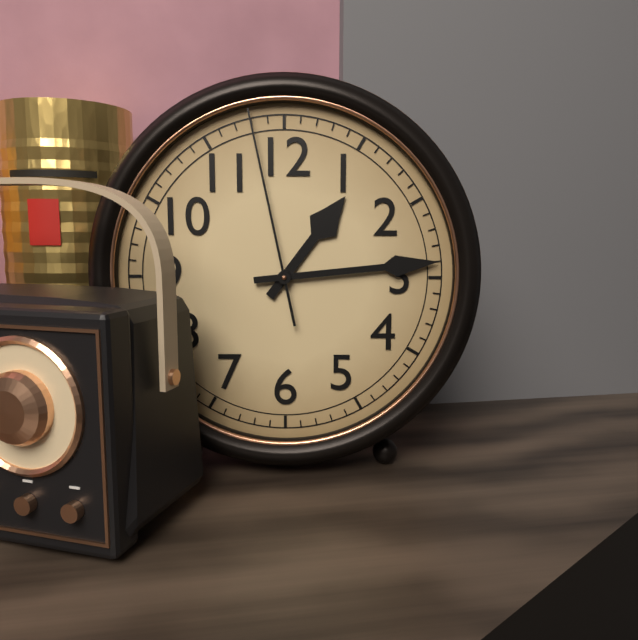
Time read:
1,14,58
